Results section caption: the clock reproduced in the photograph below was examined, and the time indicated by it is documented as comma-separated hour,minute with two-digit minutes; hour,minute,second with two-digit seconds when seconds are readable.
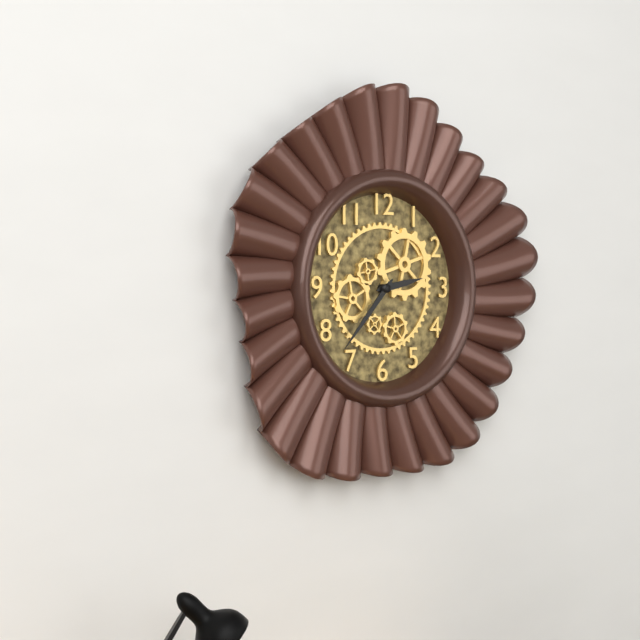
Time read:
2,37
